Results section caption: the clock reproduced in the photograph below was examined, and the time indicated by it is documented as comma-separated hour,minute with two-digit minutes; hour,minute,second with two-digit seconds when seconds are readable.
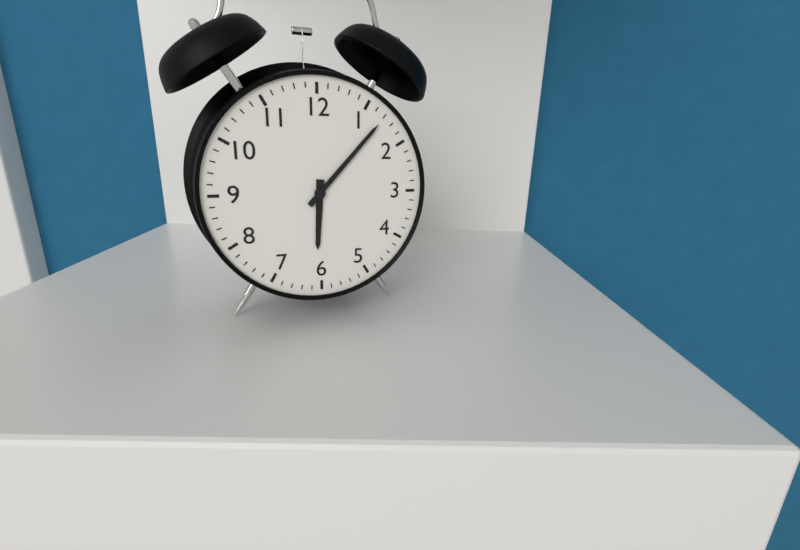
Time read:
6,07
